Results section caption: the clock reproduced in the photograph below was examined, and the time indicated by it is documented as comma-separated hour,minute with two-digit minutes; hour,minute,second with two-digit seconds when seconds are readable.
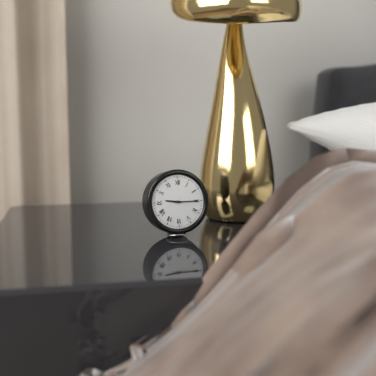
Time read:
9,15
